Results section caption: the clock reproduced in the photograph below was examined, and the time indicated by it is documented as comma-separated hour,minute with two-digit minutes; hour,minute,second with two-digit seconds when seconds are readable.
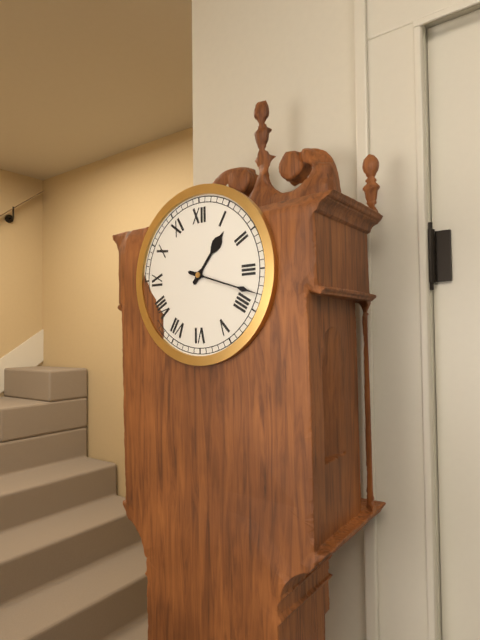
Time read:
1,18
